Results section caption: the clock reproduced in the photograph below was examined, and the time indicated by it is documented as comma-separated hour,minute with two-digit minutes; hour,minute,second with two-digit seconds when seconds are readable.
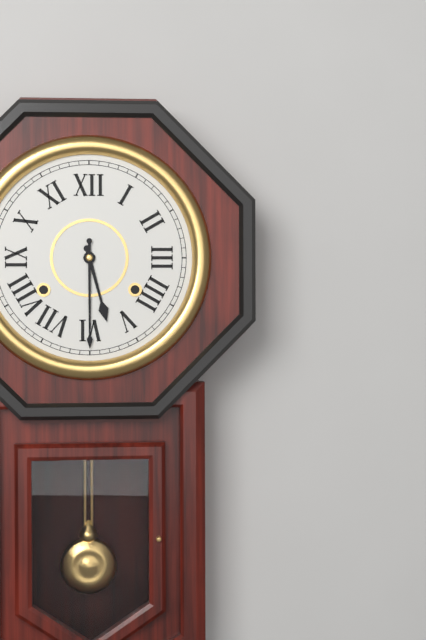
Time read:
5,30
